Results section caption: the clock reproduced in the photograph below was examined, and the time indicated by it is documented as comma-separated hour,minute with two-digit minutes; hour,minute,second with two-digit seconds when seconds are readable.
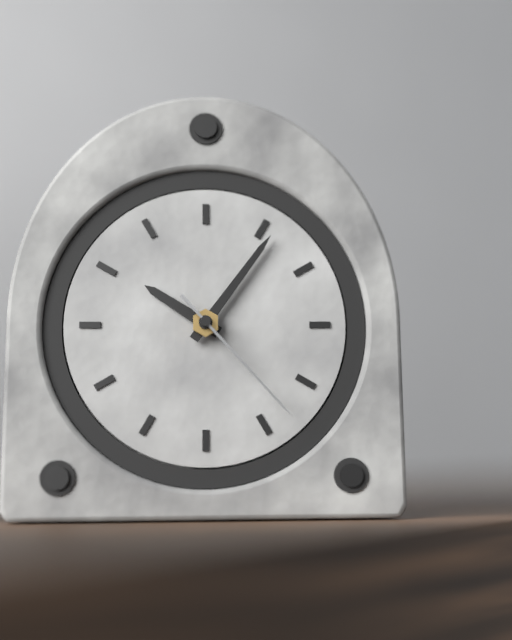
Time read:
10,06,23
